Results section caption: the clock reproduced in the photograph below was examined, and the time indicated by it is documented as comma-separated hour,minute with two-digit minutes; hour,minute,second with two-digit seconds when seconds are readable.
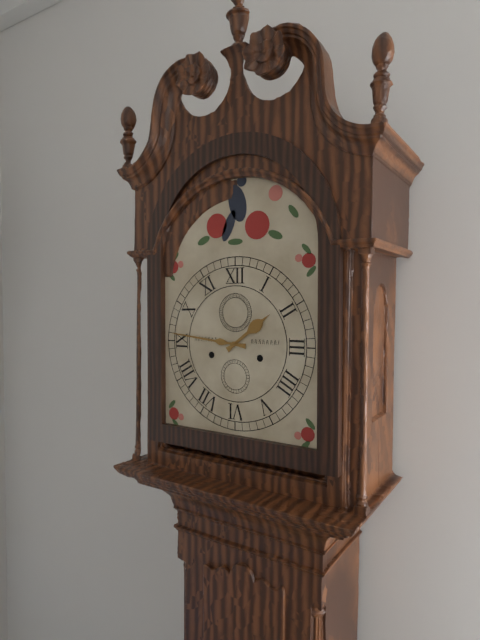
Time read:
1,46
